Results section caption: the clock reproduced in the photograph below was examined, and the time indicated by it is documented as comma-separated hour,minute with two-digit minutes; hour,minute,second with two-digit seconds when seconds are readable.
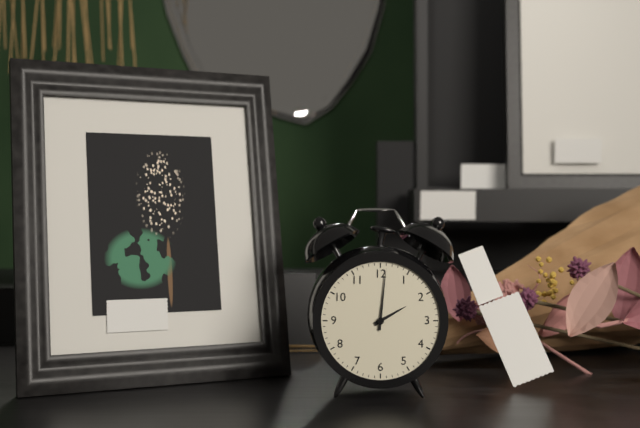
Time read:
2,01
